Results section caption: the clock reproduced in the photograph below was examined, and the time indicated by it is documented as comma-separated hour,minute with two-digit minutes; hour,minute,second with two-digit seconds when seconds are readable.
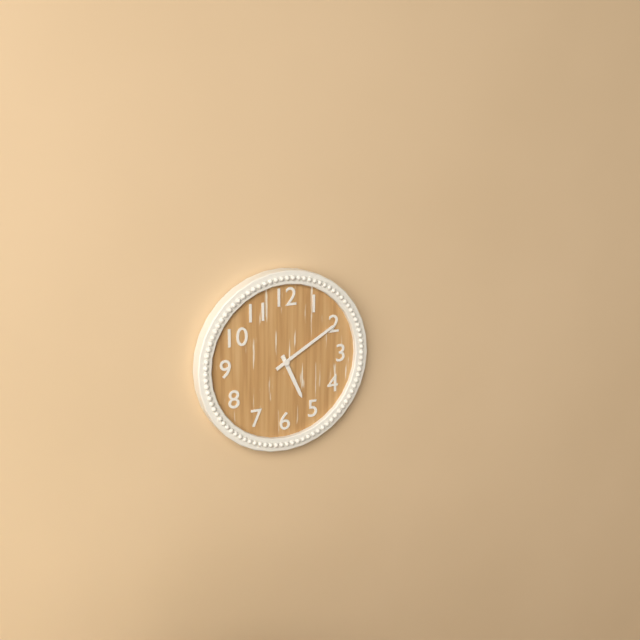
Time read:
5,10
